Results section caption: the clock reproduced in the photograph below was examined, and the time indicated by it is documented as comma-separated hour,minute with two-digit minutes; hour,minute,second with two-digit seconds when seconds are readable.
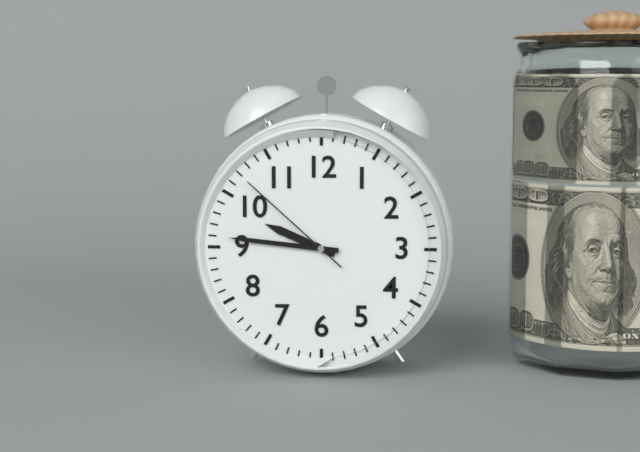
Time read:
9,46,52
